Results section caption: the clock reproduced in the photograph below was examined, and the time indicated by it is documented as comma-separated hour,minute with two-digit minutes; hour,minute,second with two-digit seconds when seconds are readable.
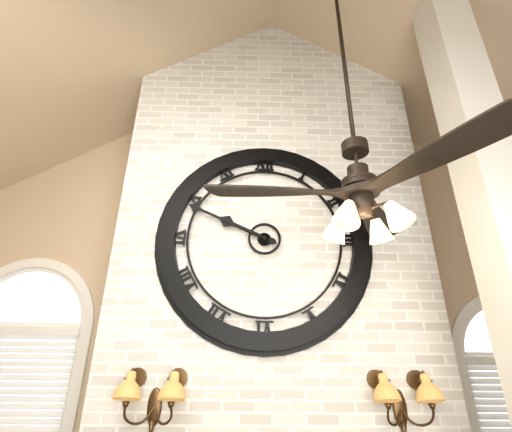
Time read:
9,49
